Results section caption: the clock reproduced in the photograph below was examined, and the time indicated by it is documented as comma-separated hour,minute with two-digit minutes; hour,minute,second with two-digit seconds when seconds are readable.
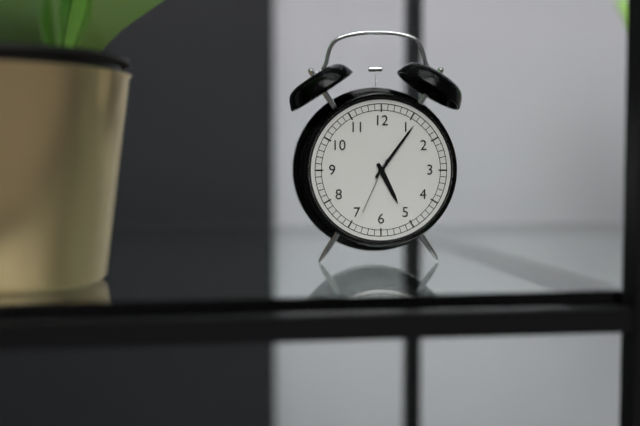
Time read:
5,06,34
